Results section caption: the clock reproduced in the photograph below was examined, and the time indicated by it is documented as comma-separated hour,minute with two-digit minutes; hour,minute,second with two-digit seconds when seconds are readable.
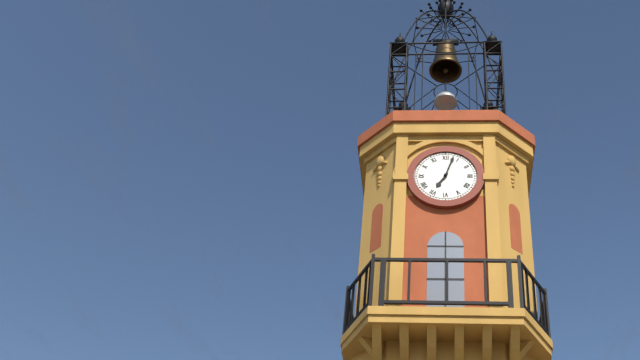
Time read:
7,03
